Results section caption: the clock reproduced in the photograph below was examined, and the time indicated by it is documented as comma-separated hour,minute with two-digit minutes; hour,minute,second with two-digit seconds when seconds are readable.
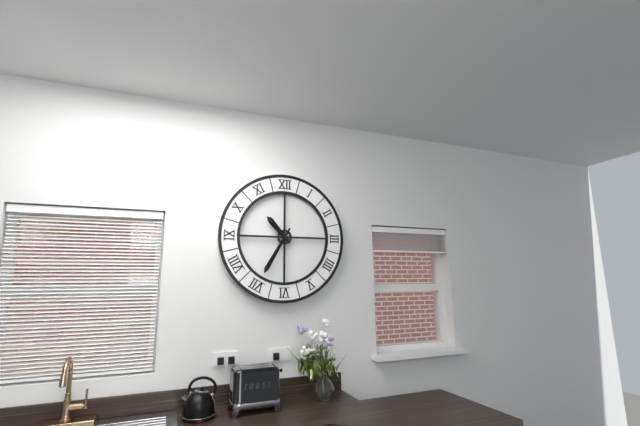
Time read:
10,35
